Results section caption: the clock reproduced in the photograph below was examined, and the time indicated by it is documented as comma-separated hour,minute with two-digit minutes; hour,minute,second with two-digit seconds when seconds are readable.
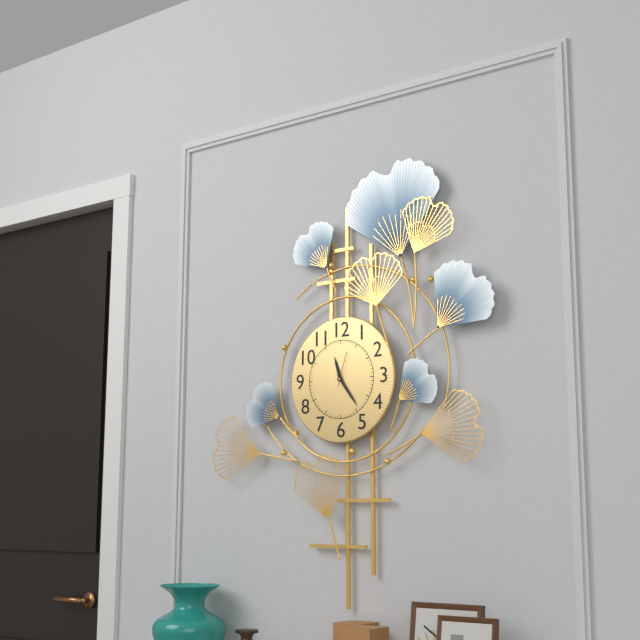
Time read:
11,24
